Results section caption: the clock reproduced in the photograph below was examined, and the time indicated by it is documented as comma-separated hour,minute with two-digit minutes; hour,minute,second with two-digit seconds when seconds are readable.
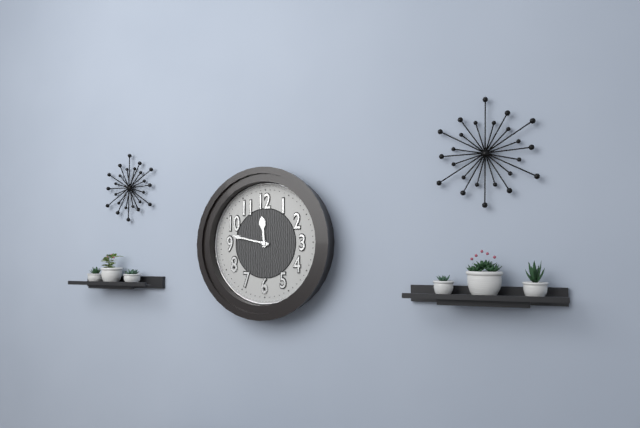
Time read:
11,47
